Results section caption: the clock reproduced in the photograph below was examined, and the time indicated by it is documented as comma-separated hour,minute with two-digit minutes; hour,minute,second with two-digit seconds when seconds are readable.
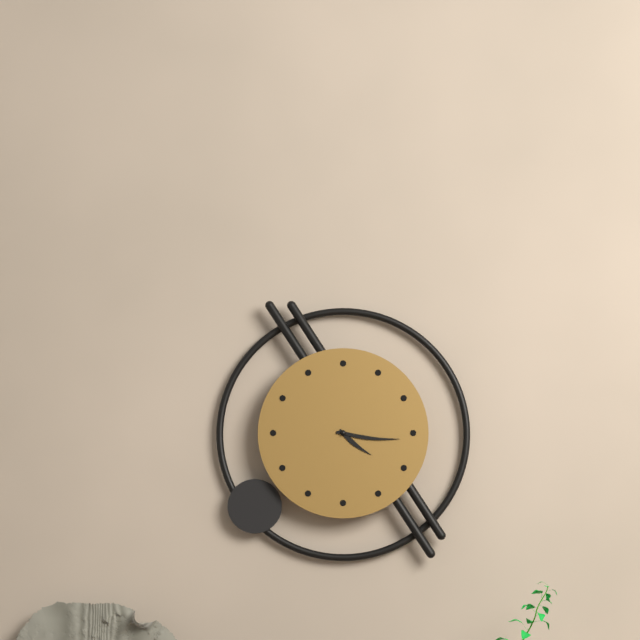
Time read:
4,16
